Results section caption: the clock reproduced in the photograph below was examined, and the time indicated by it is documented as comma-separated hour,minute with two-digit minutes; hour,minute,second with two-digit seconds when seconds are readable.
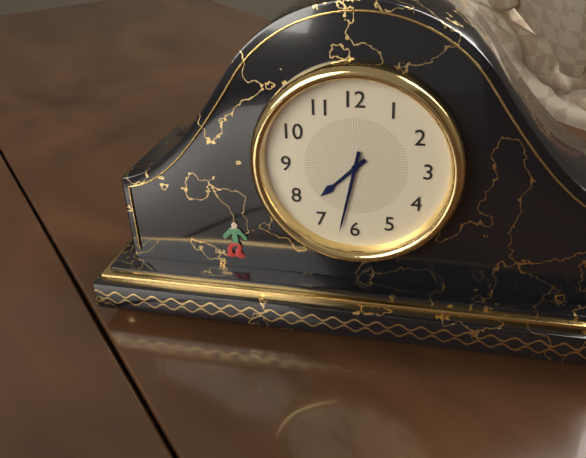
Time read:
7,32
